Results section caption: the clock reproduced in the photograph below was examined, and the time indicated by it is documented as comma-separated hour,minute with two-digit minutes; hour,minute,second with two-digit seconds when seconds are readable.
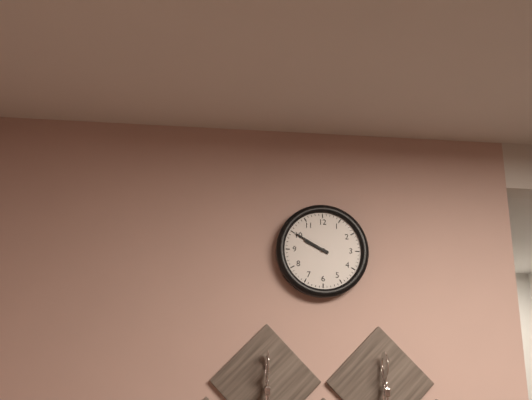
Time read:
9,50
